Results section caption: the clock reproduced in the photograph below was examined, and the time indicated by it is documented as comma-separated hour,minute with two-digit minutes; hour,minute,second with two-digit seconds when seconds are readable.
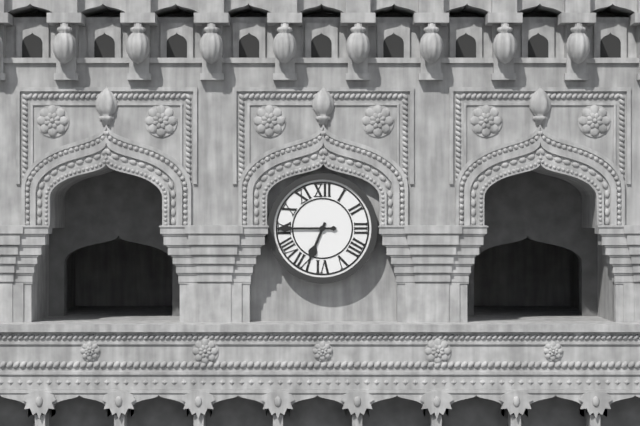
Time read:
6,45
